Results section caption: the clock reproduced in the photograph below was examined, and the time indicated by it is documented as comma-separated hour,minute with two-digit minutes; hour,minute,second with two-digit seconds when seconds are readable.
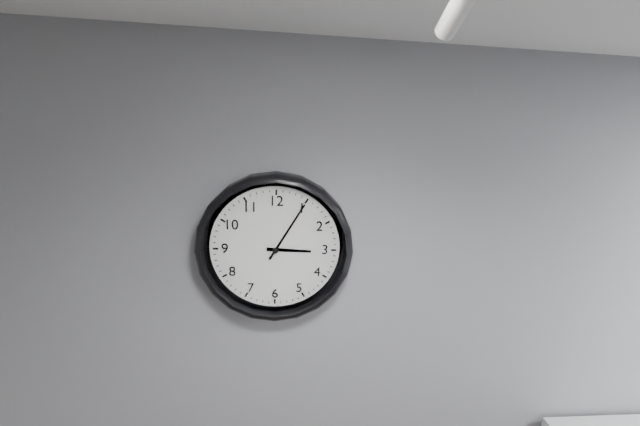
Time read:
3,05
